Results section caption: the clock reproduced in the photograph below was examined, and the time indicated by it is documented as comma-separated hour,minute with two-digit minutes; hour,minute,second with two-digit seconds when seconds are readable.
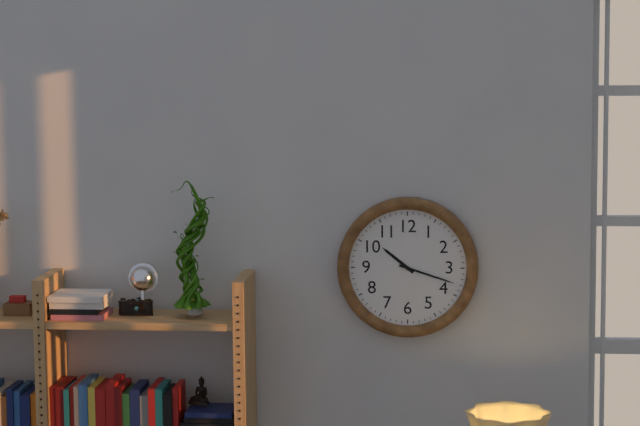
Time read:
10,18
